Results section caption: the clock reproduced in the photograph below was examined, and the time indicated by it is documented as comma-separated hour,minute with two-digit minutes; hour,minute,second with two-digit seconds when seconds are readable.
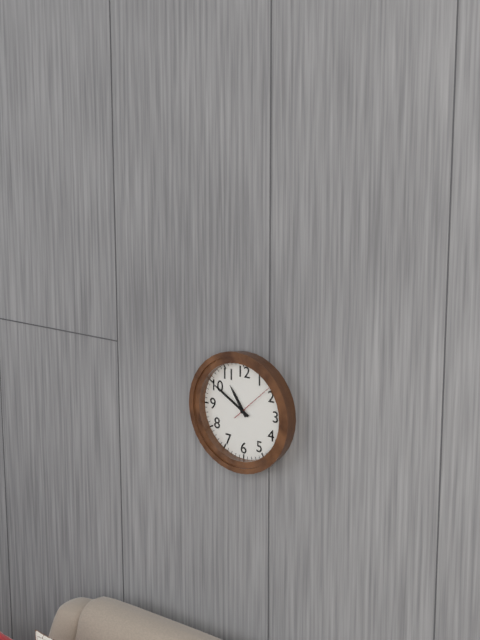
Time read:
10,50
